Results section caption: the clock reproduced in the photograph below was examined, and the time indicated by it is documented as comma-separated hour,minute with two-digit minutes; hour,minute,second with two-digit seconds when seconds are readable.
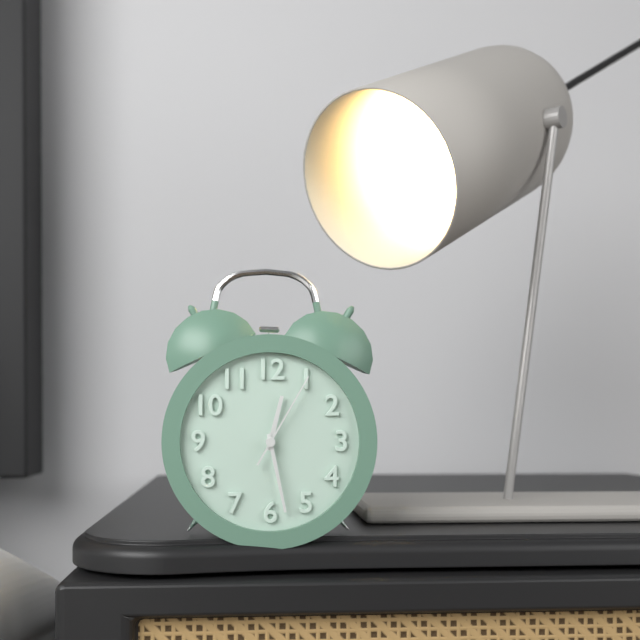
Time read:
12,28,05
